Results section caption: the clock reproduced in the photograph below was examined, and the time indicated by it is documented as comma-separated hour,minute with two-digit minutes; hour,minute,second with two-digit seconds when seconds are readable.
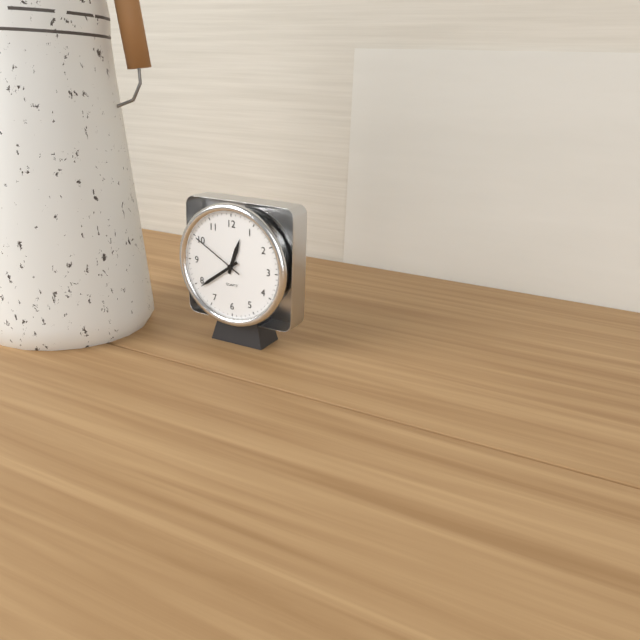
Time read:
12,39,50
